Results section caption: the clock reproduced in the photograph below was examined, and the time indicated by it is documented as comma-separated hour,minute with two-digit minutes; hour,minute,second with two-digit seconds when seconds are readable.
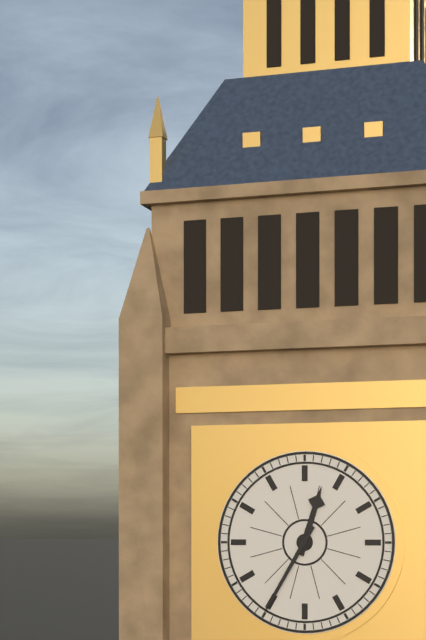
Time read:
12,35
